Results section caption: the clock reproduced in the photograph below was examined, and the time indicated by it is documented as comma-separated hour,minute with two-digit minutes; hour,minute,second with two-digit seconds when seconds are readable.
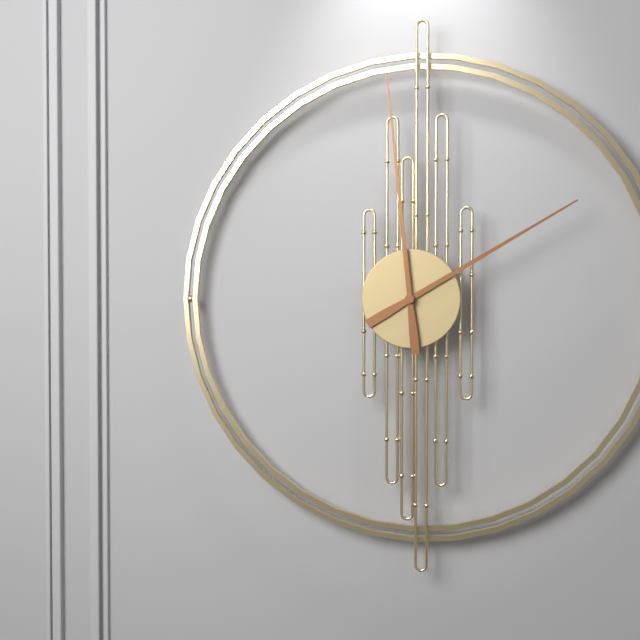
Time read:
1,59
